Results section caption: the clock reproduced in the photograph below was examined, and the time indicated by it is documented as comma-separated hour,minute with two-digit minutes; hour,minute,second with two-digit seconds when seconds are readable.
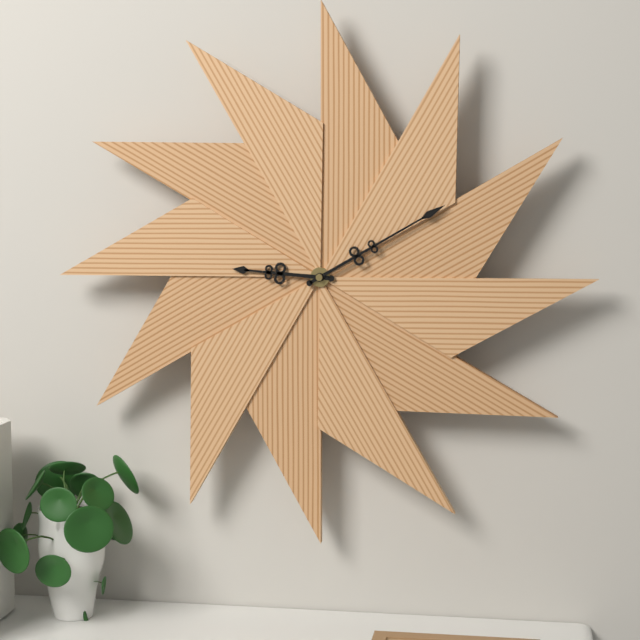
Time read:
9,10
